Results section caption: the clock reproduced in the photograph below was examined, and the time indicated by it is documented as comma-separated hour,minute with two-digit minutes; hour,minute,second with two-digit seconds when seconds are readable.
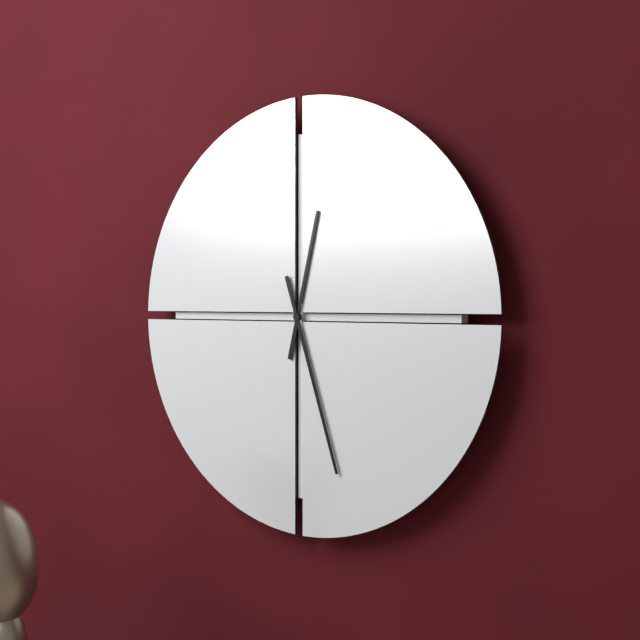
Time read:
12,27
